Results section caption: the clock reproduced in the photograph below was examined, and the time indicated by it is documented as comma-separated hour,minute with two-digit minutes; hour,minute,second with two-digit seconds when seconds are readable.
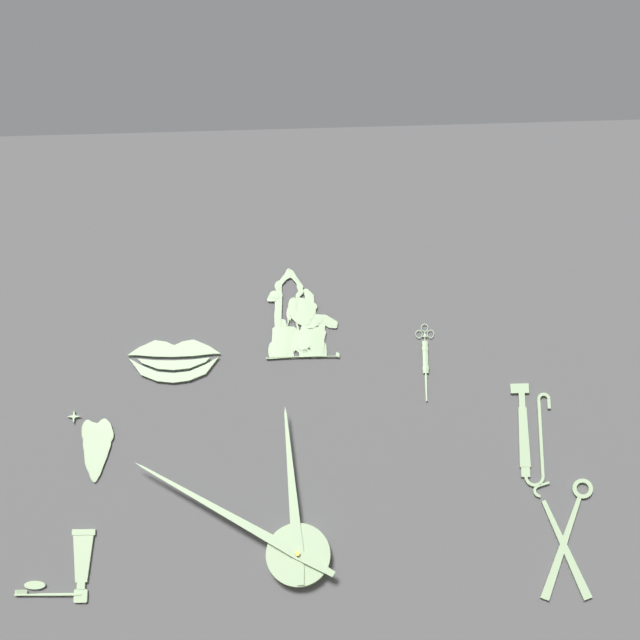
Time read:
11,50
